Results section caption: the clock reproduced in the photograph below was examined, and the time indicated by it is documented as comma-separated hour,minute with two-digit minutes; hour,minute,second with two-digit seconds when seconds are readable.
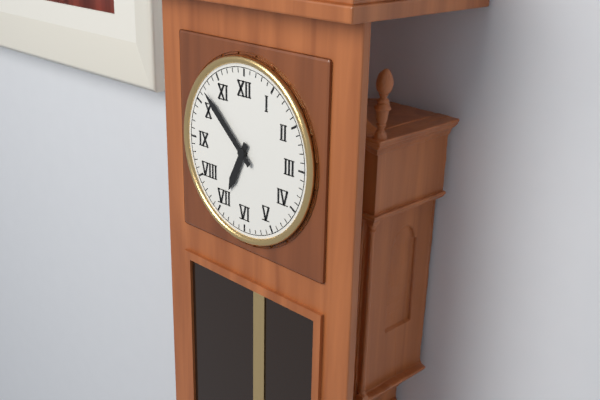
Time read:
6,52
